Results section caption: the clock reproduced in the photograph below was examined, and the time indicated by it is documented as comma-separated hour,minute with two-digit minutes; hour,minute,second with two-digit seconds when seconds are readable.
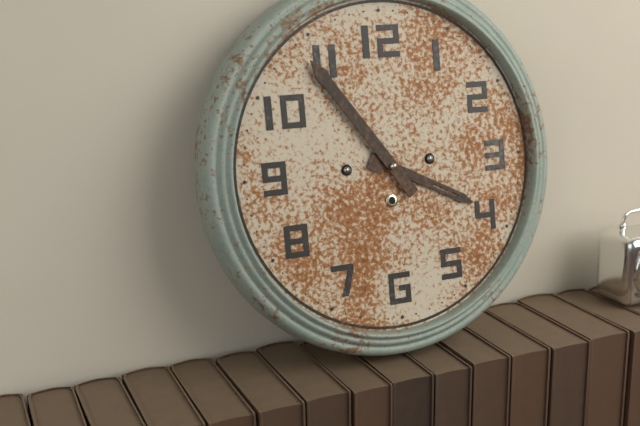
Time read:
3,54
